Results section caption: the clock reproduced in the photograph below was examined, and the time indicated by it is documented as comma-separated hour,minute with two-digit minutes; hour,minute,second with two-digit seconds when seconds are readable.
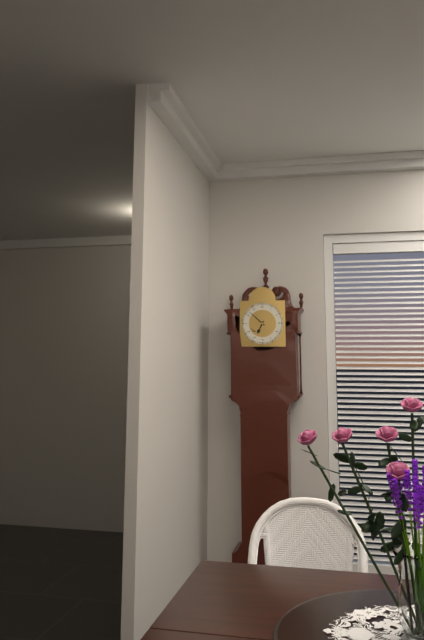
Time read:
6,52
